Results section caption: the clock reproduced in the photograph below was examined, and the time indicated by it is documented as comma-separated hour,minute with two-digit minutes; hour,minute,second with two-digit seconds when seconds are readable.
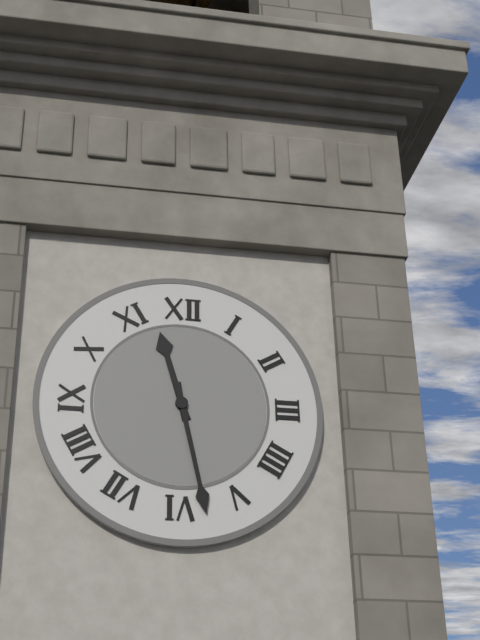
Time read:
11,28
